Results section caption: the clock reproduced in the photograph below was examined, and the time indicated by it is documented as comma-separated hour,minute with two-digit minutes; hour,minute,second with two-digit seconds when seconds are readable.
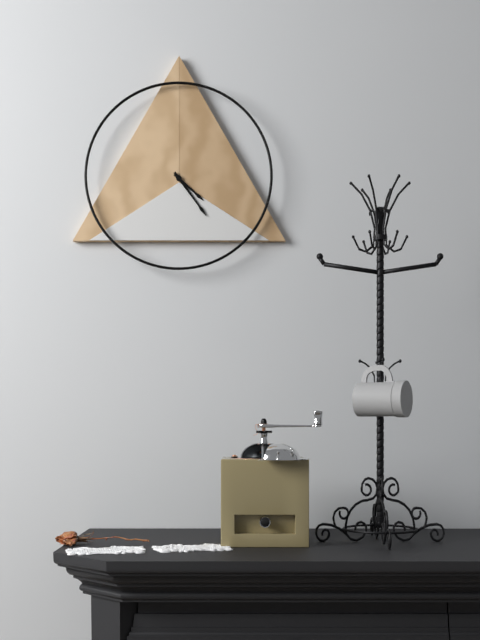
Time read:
4,24
